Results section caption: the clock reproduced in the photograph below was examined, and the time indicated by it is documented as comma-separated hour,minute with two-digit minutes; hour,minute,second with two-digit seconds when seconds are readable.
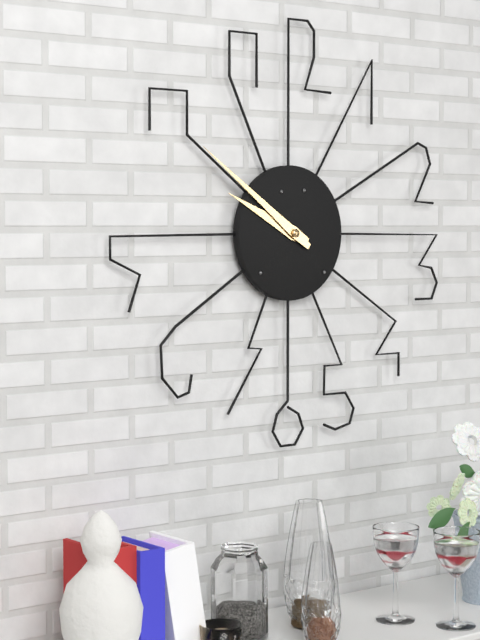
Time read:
9,51
